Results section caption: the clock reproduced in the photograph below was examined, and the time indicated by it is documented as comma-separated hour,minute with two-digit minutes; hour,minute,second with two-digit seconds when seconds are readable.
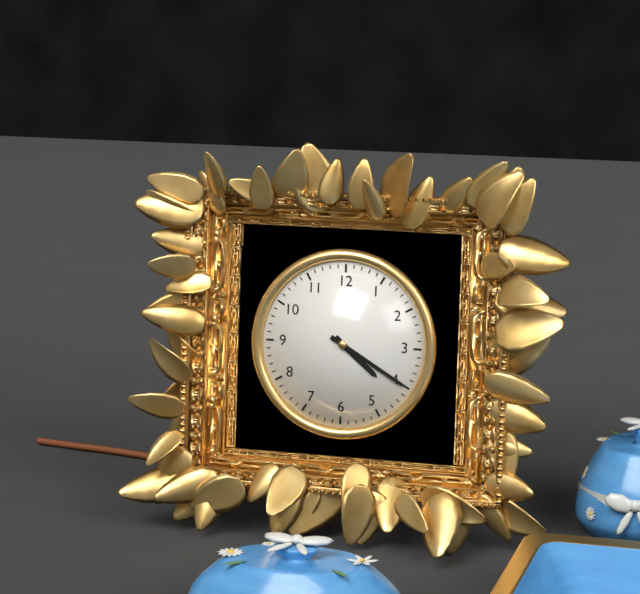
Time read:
4,20
